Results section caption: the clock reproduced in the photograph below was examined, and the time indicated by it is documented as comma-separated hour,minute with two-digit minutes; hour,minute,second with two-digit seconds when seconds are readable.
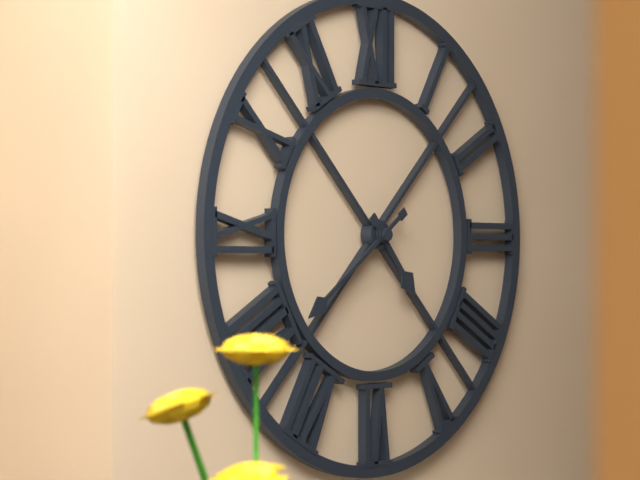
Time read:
4,39
